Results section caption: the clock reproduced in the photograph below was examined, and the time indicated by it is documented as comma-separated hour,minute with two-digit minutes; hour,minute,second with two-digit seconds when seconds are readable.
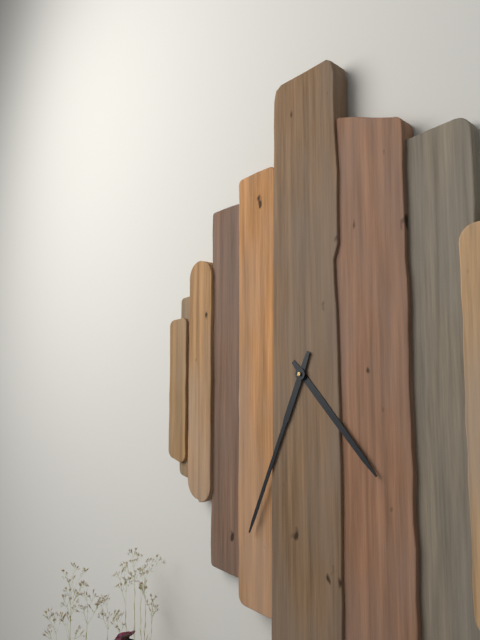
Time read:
4,34
